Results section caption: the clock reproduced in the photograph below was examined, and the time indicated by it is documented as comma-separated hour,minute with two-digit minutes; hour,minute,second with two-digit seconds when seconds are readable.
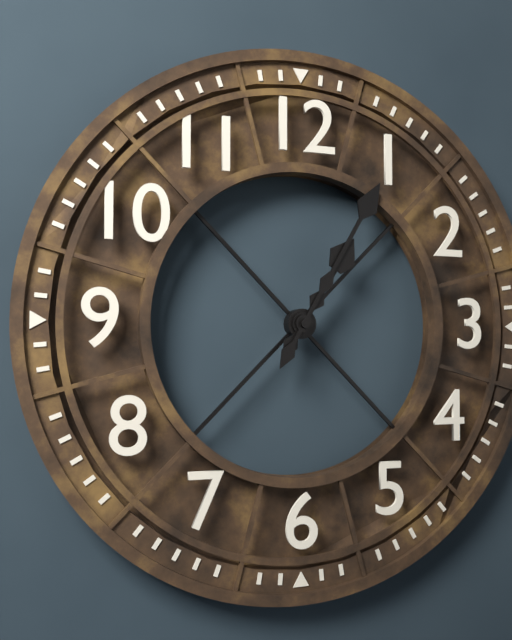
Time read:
1,05
